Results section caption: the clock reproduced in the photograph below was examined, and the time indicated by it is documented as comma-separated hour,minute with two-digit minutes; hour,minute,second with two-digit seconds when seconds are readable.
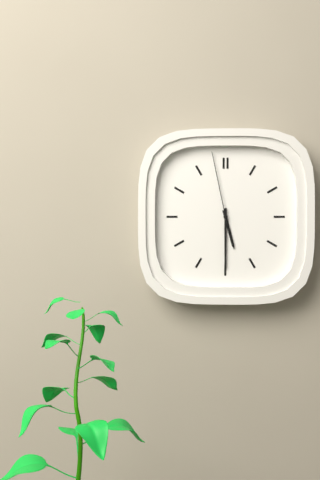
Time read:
5,30,58
